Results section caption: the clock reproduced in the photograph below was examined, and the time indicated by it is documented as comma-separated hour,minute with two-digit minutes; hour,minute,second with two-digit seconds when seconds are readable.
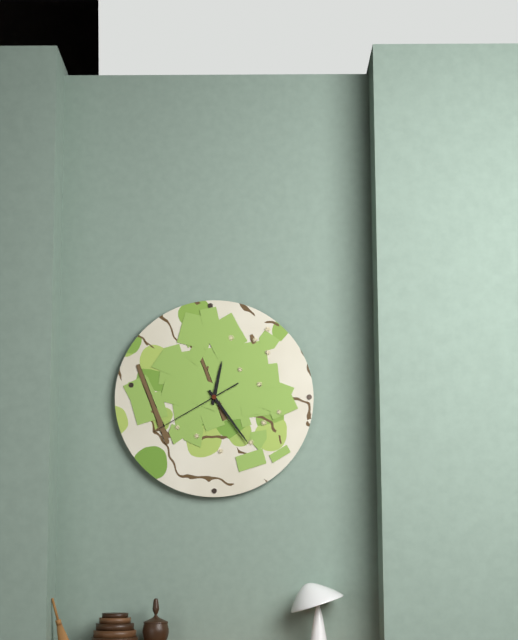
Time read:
12,24,40
